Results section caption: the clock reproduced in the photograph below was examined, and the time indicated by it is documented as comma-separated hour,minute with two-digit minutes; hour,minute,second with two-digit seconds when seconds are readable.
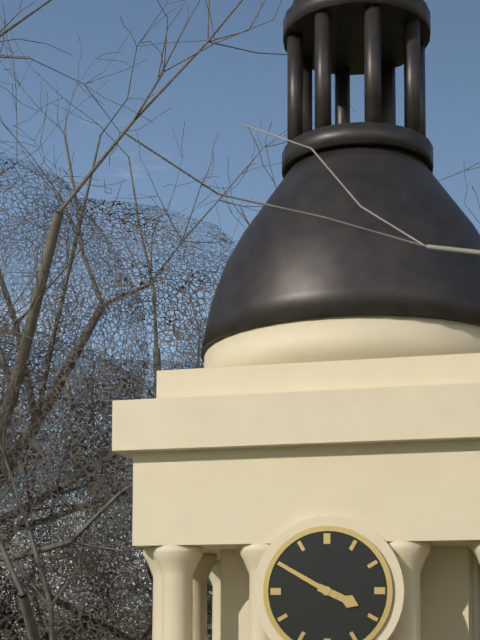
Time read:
3,50
